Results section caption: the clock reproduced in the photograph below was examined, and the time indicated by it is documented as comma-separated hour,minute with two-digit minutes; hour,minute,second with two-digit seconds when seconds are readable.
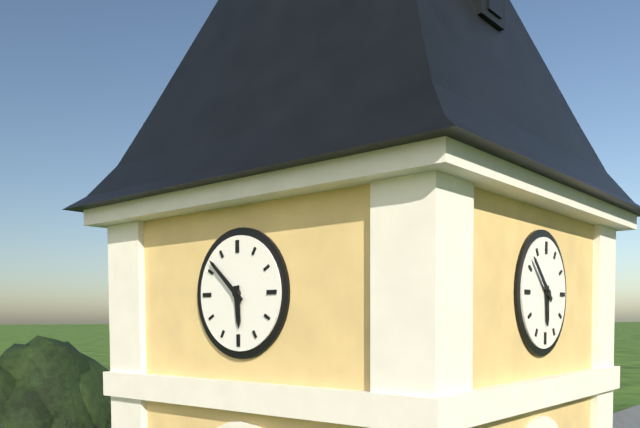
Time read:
5,52
